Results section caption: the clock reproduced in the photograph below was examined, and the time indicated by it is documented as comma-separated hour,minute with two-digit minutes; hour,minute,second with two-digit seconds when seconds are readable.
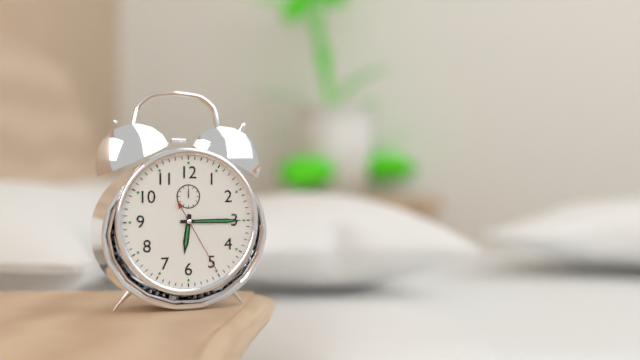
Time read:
6,15,25
